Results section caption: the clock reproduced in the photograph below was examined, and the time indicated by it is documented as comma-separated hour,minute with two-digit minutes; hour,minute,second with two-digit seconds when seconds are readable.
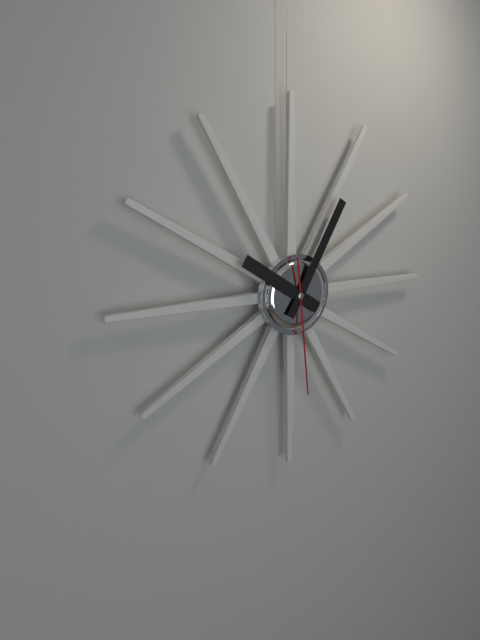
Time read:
10,05,29
